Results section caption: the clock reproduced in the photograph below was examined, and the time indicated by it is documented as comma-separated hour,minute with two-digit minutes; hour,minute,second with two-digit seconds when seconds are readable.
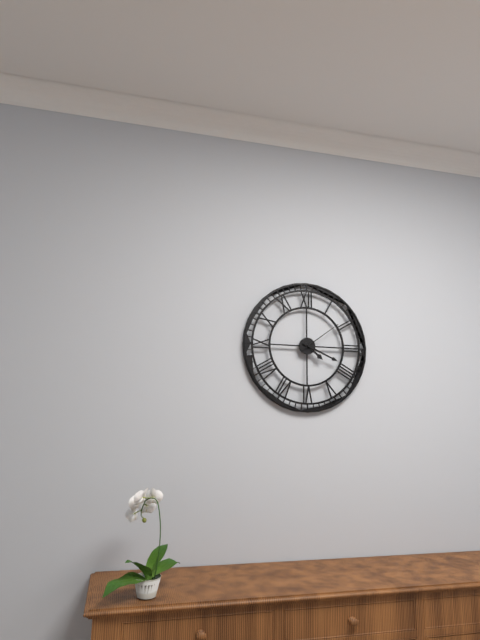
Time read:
4,19,09
